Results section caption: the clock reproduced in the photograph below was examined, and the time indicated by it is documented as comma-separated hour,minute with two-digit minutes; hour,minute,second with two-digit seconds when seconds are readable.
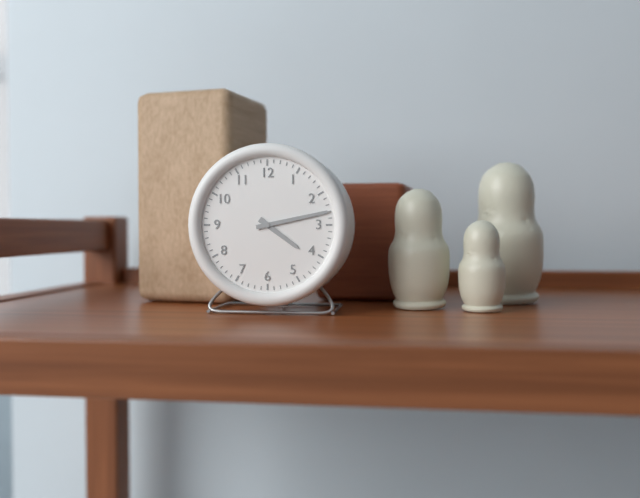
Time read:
4,13
